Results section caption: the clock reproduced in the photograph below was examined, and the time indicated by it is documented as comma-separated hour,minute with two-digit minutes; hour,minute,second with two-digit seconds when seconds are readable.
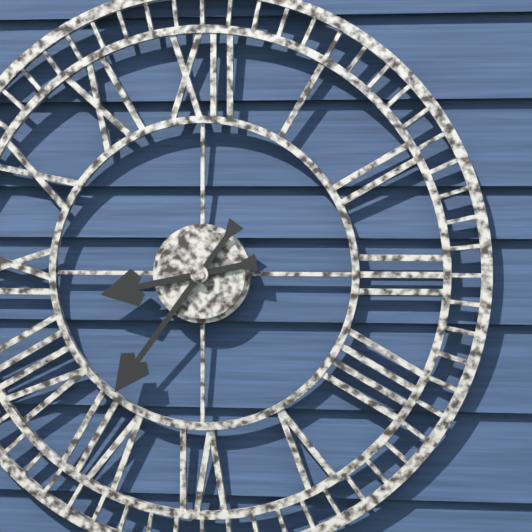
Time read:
8,36
